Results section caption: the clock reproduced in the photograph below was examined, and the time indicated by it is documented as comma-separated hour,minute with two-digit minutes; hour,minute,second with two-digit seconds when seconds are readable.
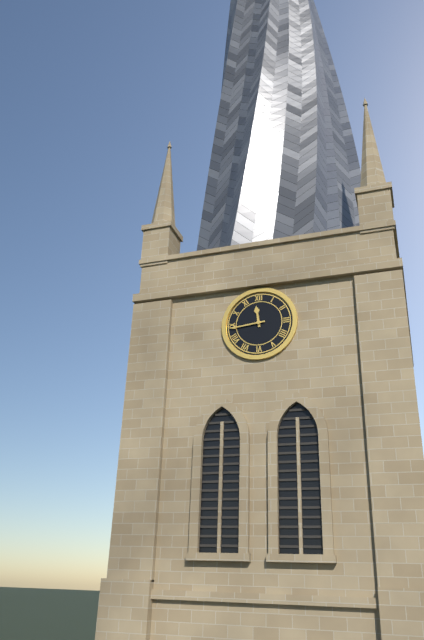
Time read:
11,44
